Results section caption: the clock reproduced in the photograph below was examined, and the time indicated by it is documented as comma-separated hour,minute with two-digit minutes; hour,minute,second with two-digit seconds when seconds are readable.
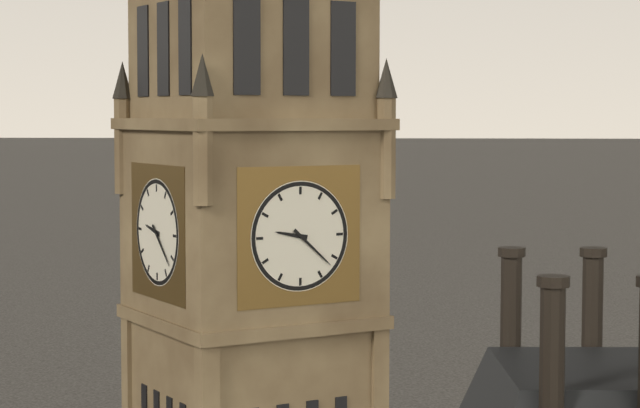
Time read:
9,22
